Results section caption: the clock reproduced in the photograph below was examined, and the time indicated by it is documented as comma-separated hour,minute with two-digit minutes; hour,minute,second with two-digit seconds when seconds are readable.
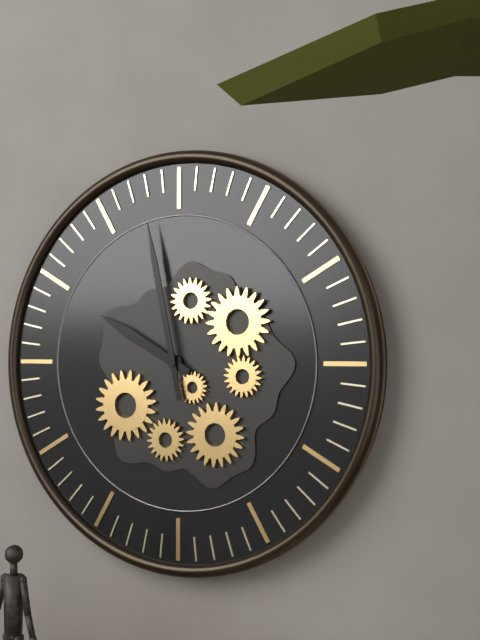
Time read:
9,58
